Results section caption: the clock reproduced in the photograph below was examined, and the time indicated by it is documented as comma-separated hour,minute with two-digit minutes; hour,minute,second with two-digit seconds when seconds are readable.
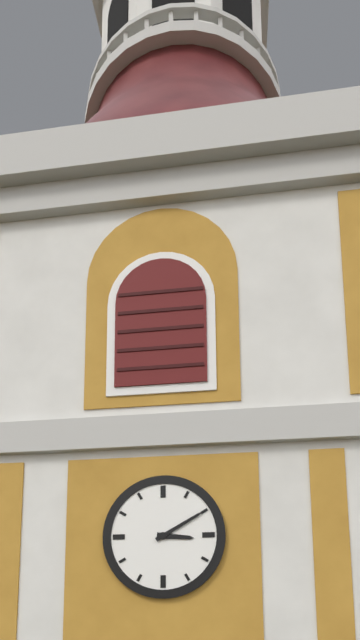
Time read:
3,10
